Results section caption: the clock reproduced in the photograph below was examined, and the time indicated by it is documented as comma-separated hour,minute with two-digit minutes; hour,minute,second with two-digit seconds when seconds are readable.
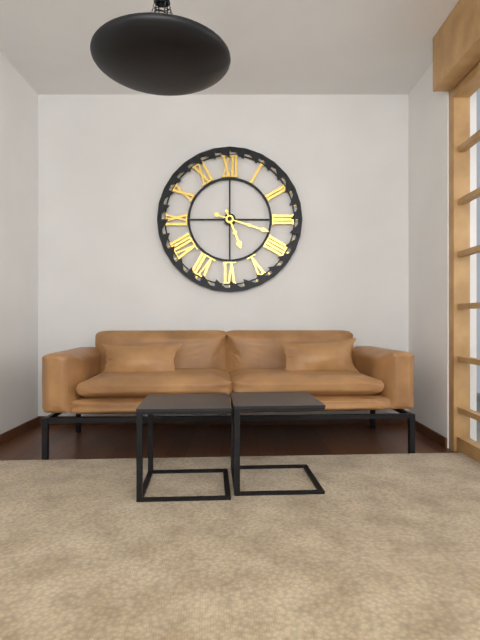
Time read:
5,18
